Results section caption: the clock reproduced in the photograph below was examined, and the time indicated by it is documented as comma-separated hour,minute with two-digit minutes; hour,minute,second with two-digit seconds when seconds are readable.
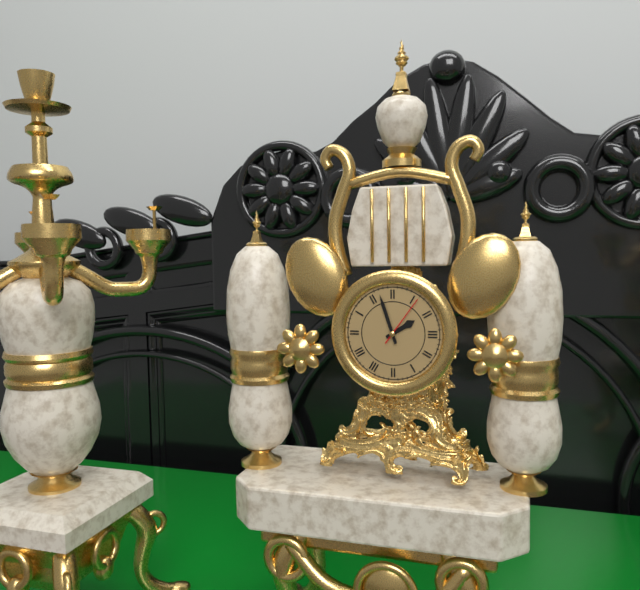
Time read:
1,57,06
